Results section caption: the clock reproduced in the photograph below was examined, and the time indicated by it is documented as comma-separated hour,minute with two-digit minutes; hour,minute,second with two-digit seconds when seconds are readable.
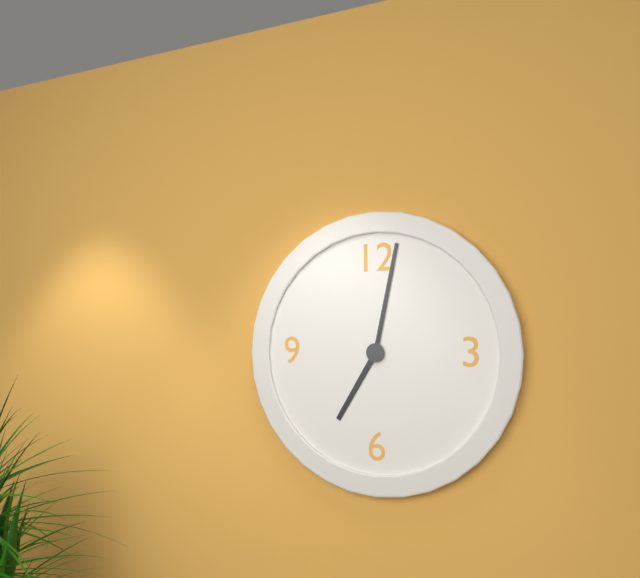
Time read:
7,02
